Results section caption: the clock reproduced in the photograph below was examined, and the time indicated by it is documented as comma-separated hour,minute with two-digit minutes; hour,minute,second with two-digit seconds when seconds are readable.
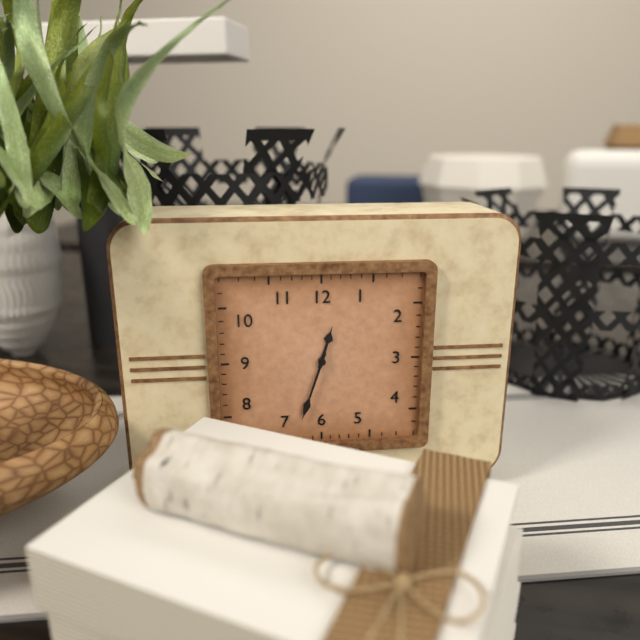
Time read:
12,33
